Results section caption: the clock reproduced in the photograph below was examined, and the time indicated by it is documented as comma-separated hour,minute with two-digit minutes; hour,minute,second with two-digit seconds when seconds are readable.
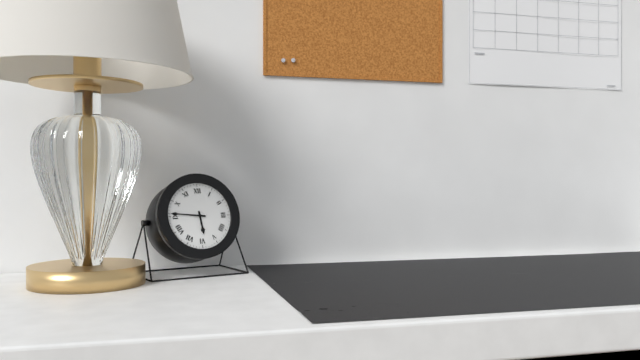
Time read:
5,46
